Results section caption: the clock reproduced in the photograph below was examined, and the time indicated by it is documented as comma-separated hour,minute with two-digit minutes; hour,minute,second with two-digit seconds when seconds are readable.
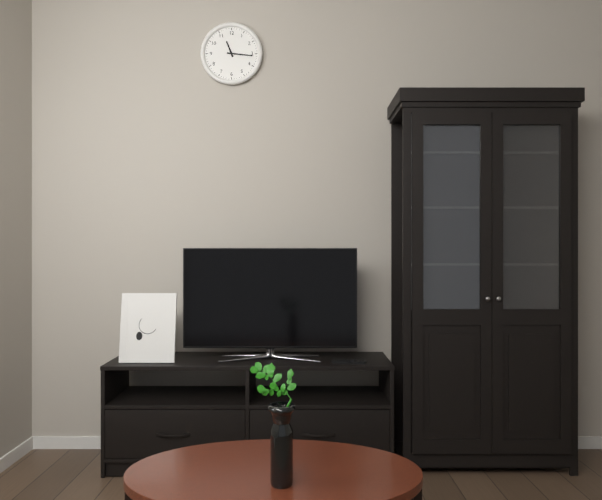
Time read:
11,16
